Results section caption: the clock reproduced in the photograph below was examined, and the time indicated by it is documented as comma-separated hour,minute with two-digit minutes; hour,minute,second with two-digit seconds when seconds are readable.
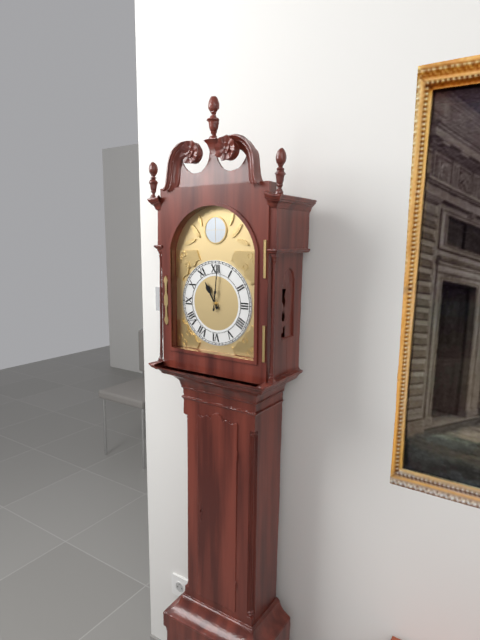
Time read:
11,01
